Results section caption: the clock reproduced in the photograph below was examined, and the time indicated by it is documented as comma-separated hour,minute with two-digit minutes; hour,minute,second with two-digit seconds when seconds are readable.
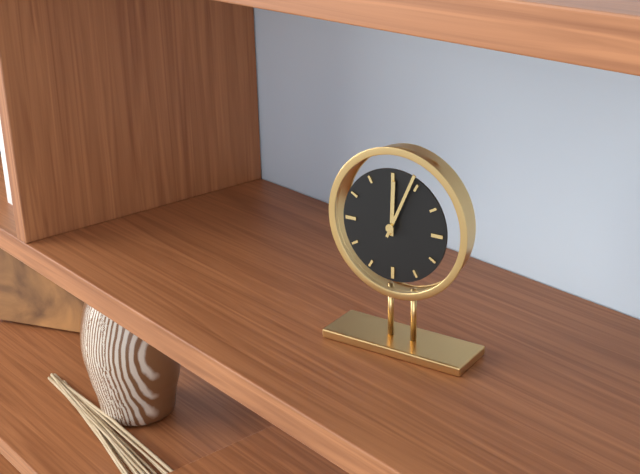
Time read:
12,04
